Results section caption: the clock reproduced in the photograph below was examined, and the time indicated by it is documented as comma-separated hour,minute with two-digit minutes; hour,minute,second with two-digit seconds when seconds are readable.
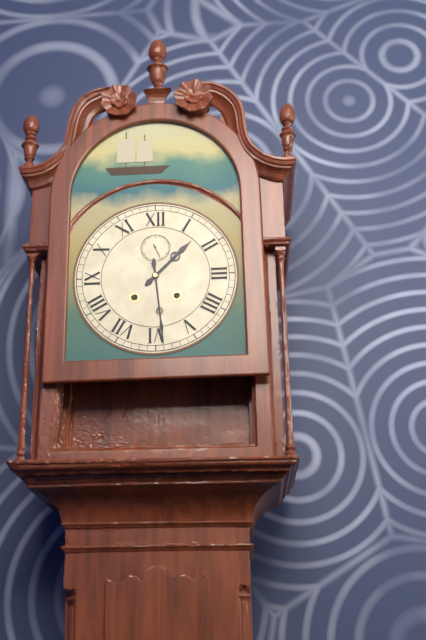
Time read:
1,29
